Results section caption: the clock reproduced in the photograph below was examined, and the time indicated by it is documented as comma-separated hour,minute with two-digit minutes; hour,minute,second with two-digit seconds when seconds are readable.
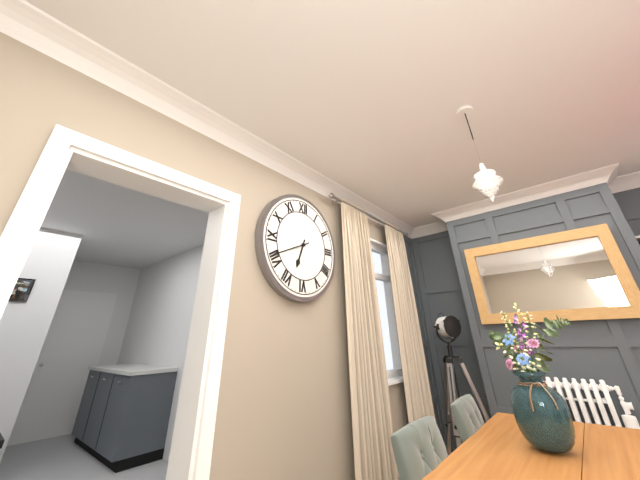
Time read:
6,41
